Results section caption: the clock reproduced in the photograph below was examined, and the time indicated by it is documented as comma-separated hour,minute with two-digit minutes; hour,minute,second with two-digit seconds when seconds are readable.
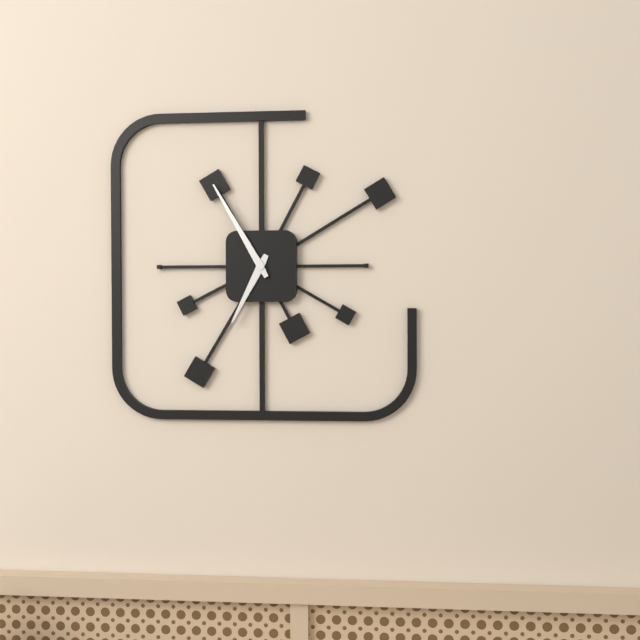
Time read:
6,55
